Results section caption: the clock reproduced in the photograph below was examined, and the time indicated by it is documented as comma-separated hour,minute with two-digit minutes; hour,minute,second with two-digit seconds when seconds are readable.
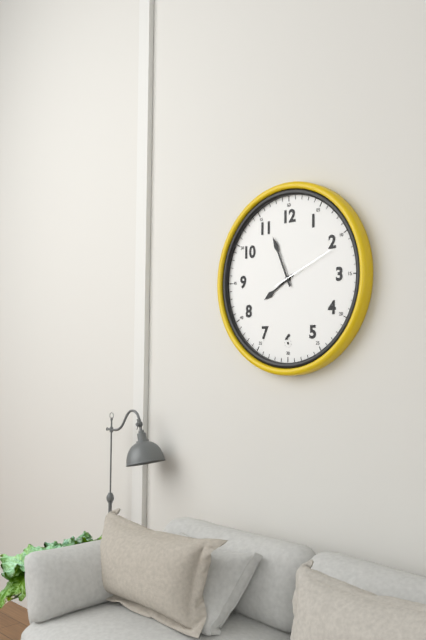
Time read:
7,56,11
